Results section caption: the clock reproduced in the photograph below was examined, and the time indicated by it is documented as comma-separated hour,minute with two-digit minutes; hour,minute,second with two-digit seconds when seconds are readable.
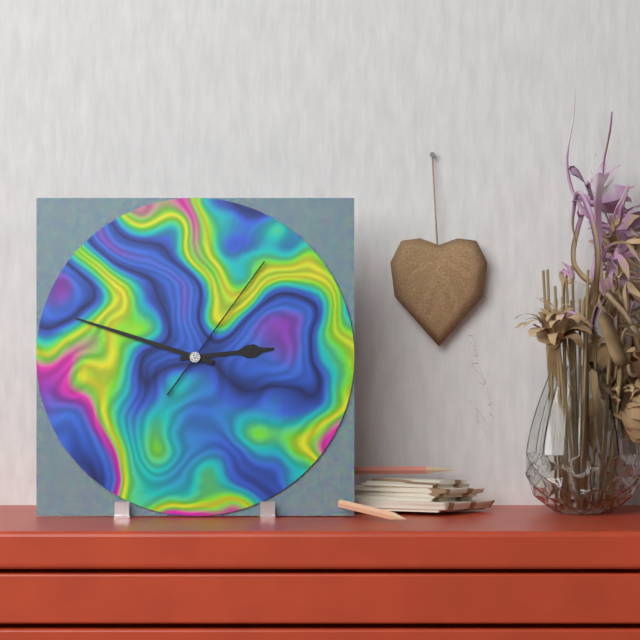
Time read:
2,48,06
